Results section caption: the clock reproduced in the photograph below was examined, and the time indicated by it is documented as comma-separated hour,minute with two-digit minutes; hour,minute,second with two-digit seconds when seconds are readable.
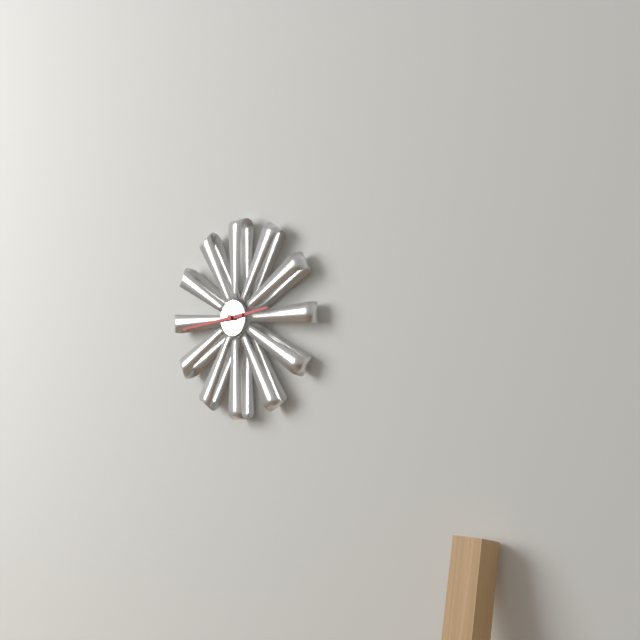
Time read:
2,44
